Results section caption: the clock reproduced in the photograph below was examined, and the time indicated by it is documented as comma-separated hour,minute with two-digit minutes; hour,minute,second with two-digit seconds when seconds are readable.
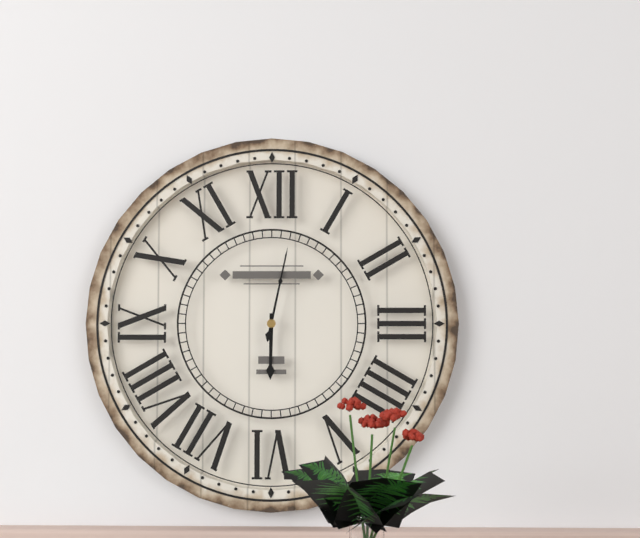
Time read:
6,02
